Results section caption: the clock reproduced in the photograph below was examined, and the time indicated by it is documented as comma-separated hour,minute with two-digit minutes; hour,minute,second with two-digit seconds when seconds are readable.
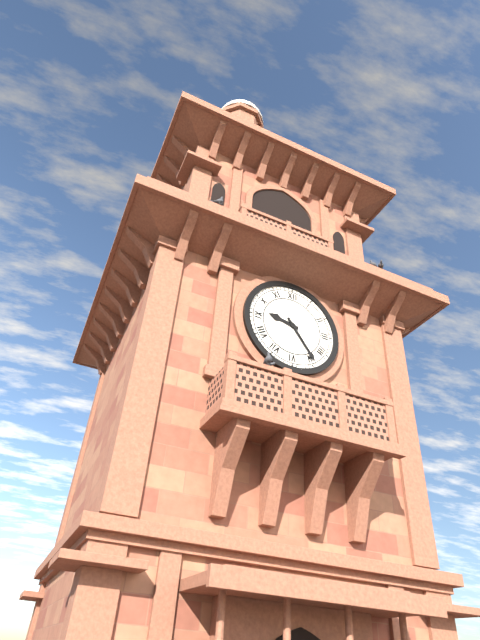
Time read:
9,24
